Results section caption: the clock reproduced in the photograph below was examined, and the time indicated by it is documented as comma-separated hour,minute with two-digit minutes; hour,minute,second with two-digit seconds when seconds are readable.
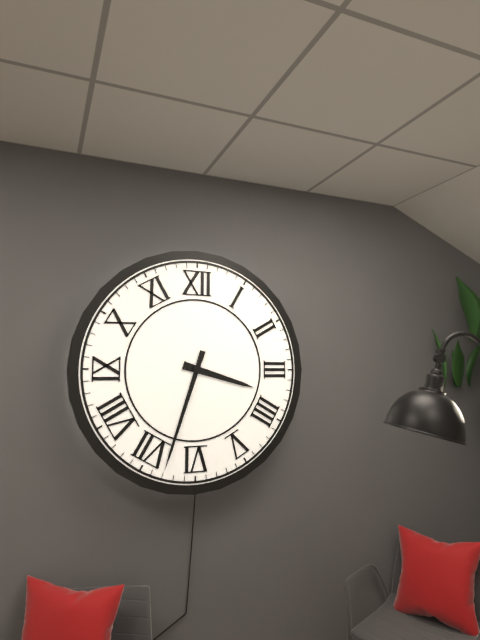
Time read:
3,33
